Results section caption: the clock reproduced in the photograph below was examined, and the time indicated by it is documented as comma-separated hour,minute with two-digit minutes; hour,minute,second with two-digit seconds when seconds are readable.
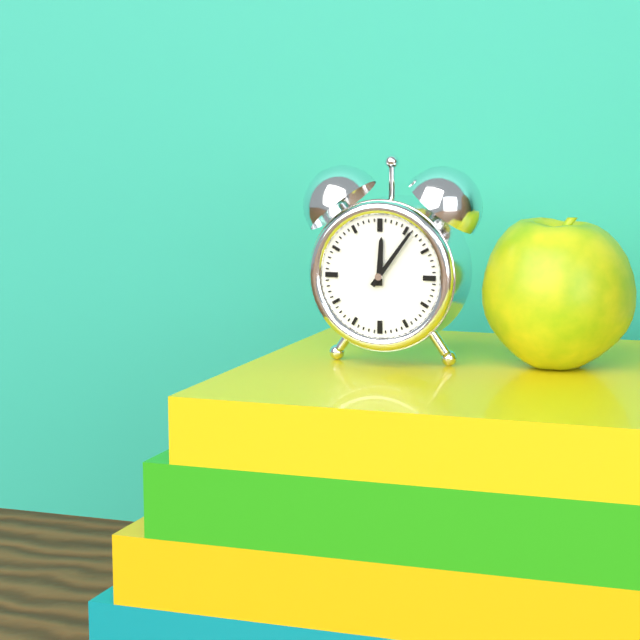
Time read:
12,06
